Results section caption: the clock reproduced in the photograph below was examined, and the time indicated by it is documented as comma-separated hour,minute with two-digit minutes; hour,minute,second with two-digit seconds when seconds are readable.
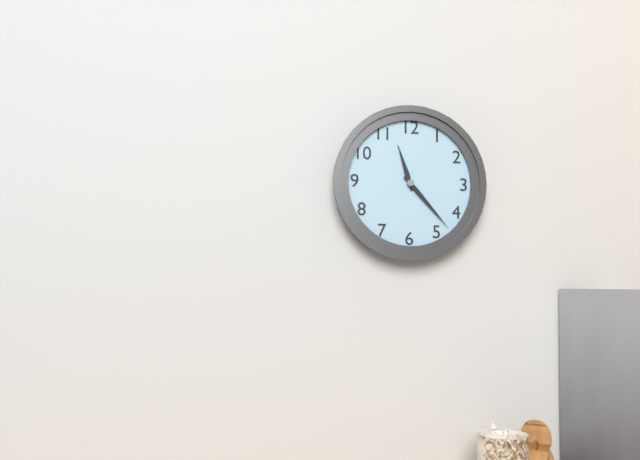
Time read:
11,23
